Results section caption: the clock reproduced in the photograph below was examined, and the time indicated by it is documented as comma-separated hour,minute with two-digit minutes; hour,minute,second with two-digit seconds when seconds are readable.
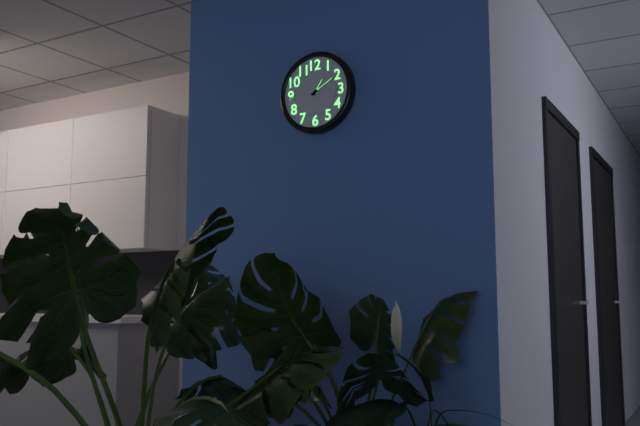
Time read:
1,10
